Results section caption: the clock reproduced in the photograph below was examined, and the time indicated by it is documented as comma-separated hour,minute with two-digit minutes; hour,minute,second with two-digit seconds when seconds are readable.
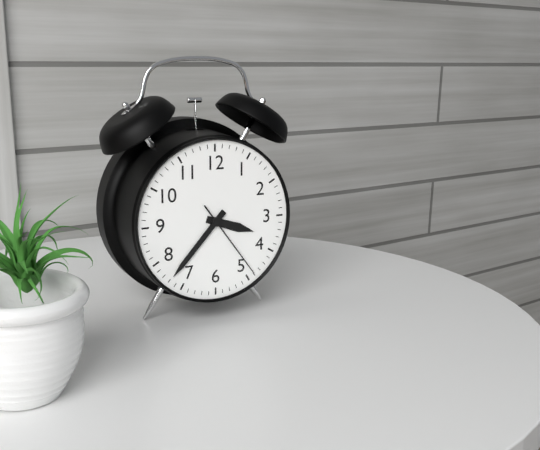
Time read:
3,37,24
